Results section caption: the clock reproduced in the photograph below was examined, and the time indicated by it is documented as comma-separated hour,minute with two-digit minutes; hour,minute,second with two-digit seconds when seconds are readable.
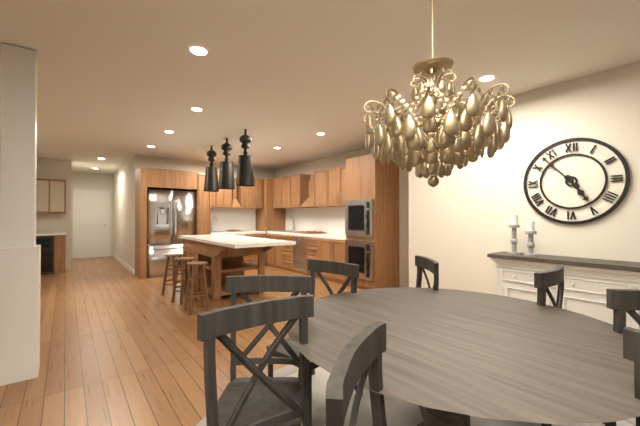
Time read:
4,53
